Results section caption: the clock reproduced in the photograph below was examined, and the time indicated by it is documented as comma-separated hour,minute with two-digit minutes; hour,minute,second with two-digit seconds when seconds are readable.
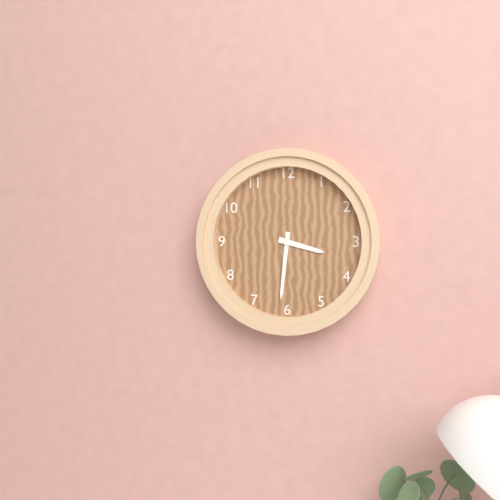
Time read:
3,31
